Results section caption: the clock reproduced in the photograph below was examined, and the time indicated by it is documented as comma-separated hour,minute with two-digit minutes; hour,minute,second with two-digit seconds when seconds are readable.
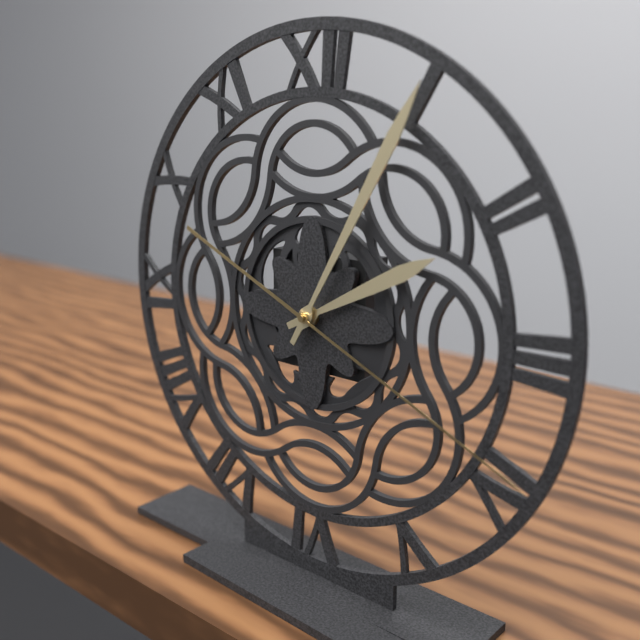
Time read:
2,05,19
